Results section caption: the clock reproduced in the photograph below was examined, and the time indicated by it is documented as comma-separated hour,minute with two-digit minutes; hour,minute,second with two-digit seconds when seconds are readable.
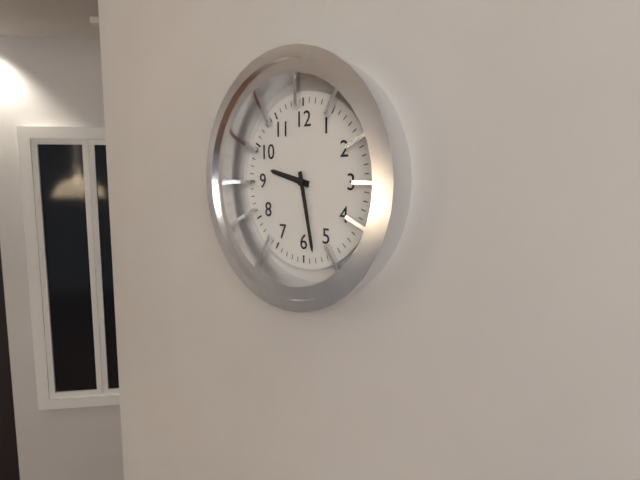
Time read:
9,28
